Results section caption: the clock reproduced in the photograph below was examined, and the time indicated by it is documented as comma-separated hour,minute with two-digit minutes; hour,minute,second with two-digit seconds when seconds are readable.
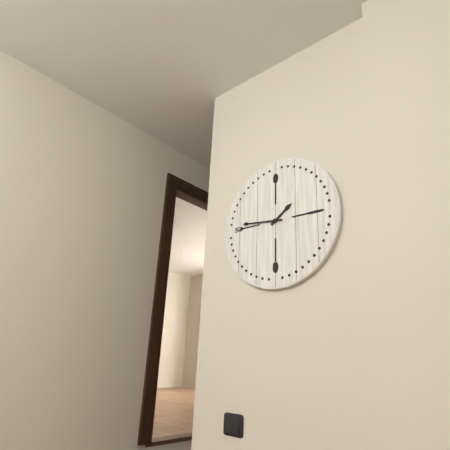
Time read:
1,46
